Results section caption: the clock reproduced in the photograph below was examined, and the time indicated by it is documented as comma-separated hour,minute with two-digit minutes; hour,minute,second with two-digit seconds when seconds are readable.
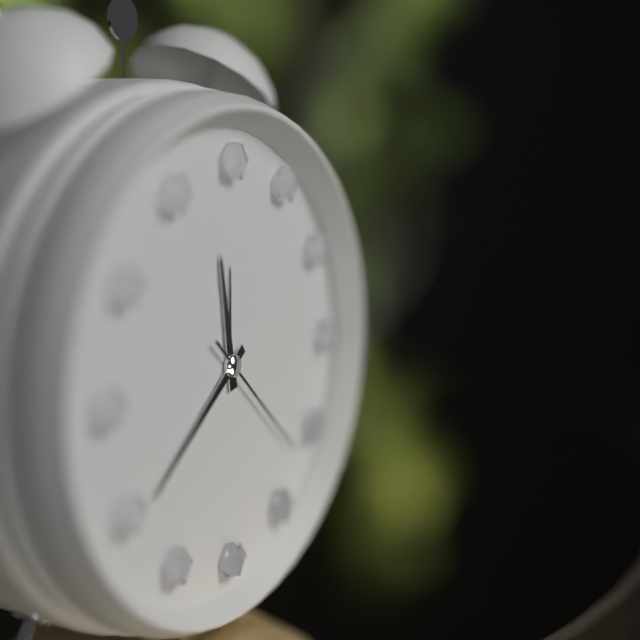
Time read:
11,39,22
